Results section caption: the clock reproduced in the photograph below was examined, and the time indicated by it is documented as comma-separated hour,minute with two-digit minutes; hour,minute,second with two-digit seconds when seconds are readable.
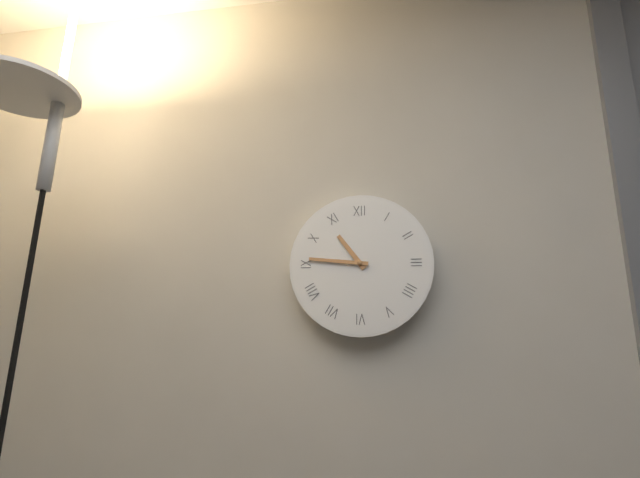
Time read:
10,46
